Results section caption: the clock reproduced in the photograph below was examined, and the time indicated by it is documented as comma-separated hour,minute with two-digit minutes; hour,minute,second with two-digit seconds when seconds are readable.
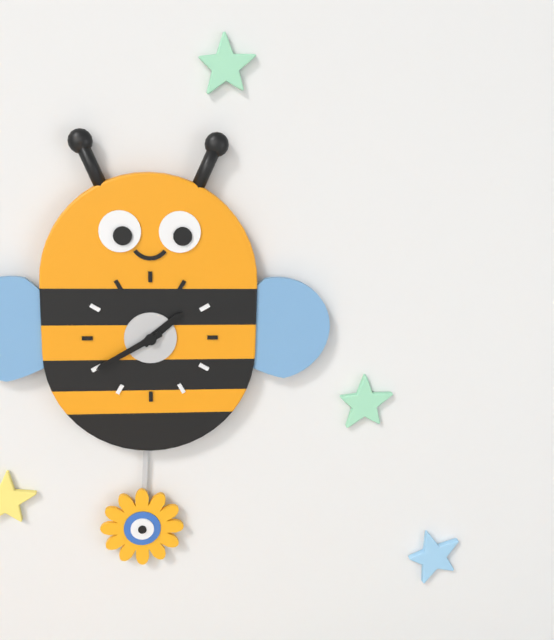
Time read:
1,40
